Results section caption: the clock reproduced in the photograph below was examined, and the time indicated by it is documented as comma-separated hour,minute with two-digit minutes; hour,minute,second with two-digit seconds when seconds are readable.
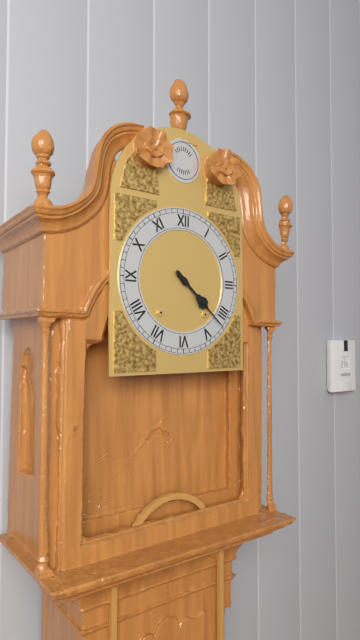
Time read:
4,22
